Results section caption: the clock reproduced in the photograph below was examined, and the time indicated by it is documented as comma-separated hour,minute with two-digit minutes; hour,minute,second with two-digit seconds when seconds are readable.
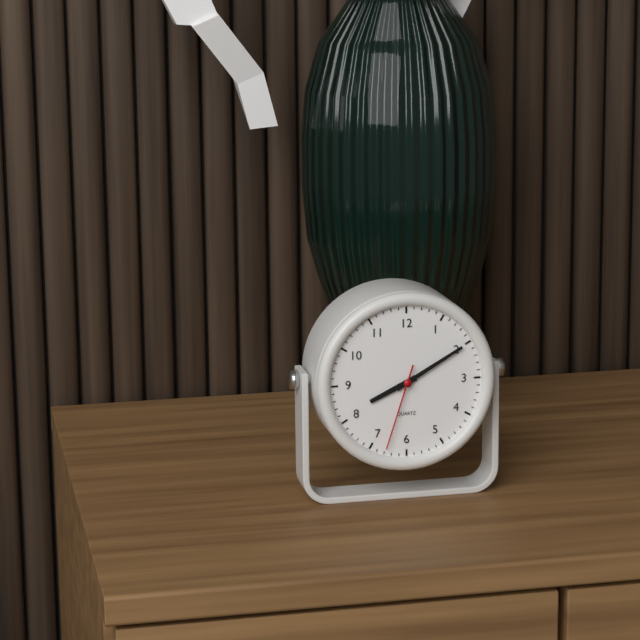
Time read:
8,10,33
